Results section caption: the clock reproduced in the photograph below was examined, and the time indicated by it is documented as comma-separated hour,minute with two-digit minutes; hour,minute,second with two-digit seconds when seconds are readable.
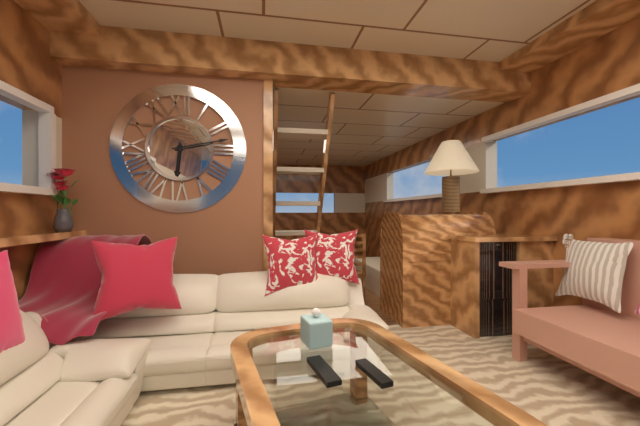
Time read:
6,13
